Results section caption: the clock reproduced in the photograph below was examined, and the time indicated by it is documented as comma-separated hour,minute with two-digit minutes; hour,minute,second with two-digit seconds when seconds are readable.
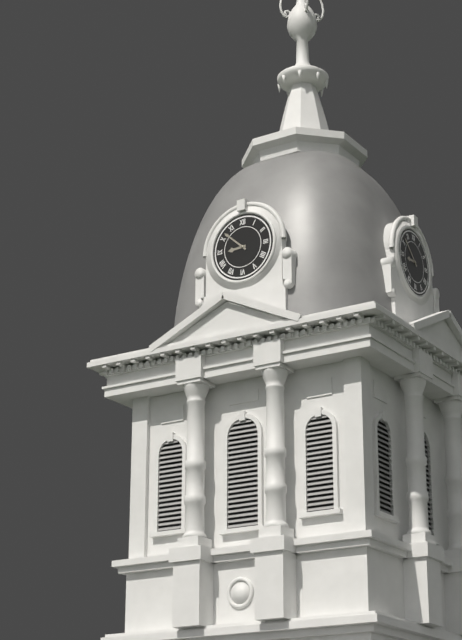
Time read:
8,52
